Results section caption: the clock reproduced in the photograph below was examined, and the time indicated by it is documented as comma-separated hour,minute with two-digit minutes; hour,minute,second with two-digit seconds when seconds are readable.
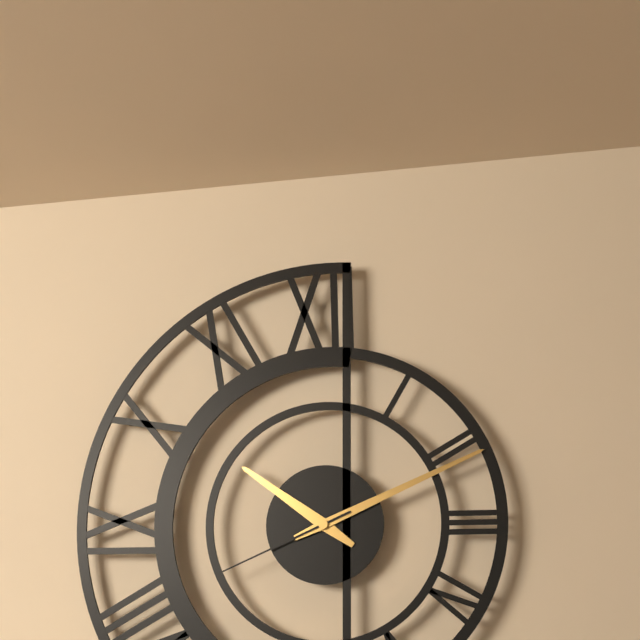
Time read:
10,11,41
